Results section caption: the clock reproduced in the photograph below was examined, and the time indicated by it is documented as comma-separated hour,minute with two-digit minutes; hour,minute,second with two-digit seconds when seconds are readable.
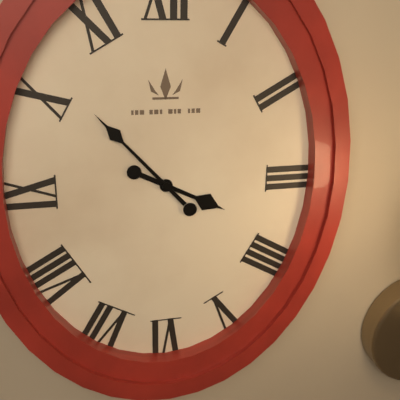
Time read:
3,53
